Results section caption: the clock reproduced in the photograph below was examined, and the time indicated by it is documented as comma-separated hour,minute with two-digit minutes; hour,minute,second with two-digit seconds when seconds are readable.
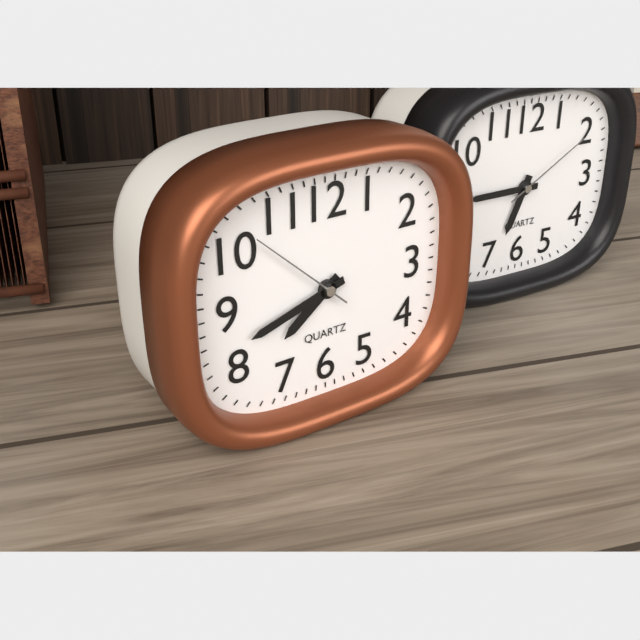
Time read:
7,42,52
